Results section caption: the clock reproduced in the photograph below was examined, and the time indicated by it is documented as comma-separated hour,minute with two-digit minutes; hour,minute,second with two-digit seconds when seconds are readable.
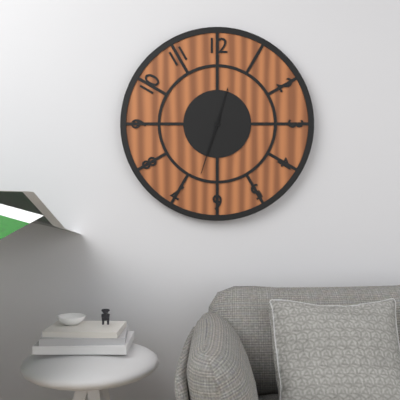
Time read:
12,33
